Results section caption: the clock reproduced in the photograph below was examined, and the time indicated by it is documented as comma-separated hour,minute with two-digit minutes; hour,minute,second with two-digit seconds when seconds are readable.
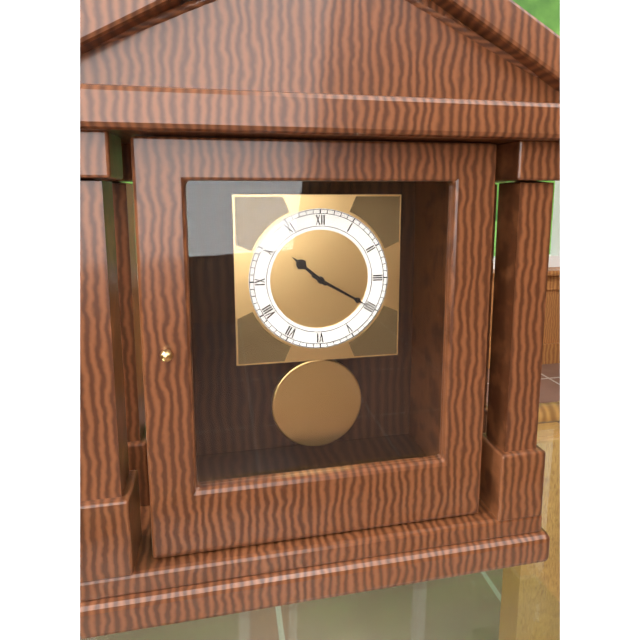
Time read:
10,20
